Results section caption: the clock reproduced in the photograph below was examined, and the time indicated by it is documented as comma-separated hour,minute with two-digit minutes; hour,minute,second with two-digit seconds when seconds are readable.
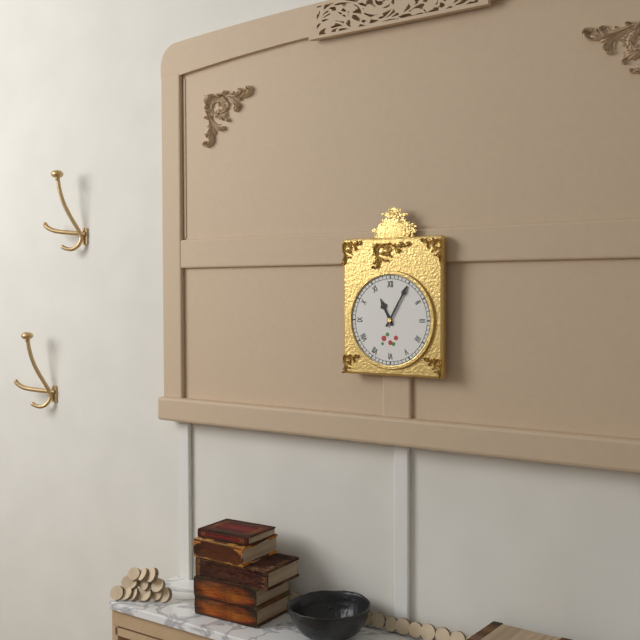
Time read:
11,05
